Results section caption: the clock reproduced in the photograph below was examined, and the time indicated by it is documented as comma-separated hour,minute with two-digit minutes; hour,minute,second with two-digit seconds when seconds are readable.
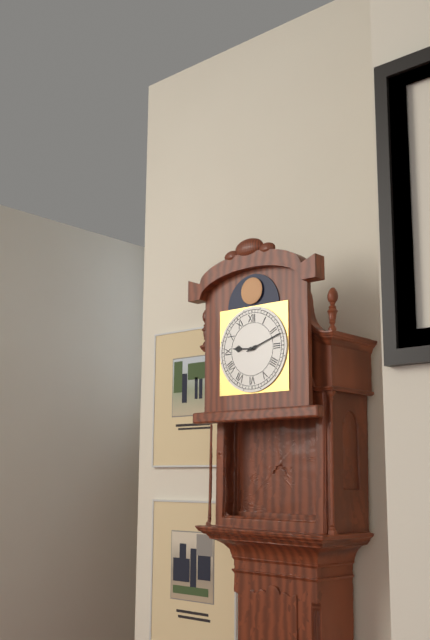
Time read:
9,12
